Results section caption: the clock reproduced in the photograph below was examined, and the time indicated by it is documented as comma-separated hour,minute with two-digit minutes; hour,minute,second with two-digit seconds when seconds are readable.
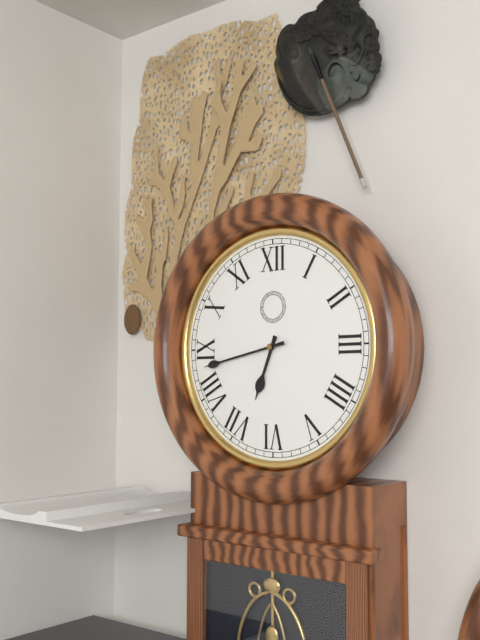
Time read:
6,43
